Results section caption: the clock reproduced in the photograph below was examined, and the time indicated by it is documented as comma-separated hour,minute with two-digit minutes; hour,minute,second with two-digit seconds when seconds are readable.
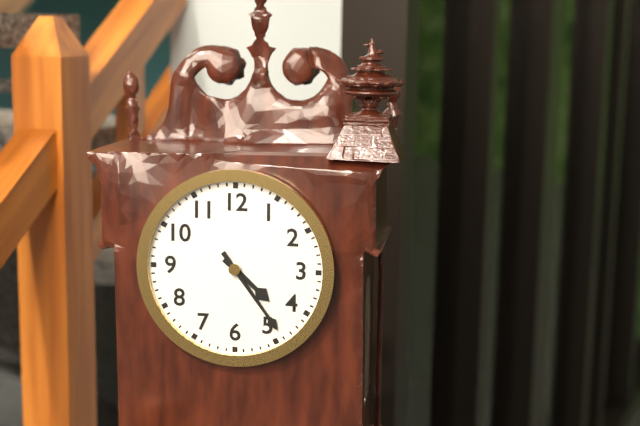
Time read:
4,24
